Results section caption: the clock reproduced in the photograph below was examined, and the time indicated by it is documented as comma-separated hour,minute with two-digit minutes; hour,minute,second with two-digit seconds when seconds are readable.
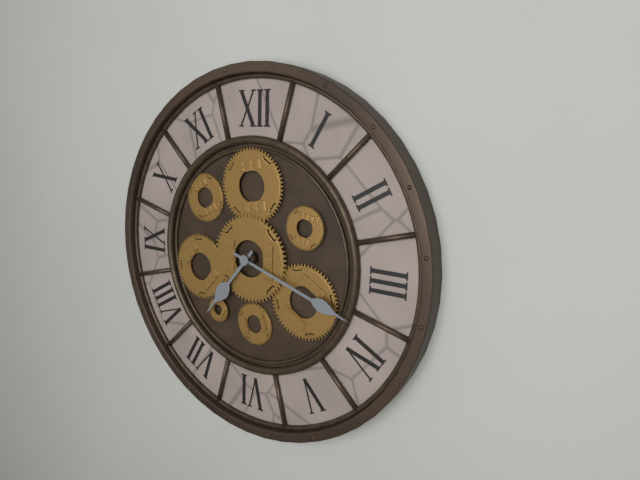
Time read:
7,18
